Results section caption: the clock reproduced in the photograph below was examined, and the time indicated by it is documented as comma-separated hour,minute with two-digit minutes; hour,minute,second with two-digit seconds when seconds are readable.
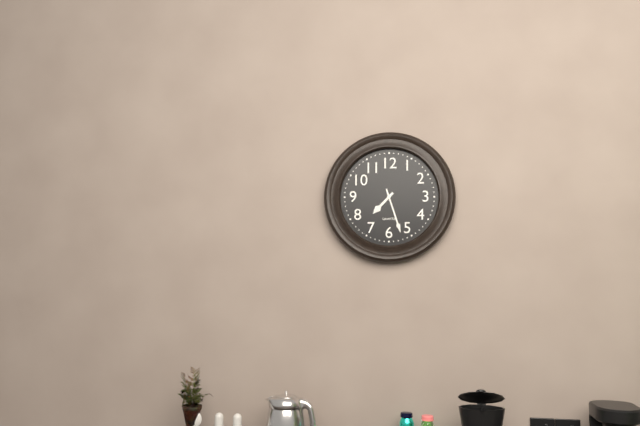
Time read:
7,27
